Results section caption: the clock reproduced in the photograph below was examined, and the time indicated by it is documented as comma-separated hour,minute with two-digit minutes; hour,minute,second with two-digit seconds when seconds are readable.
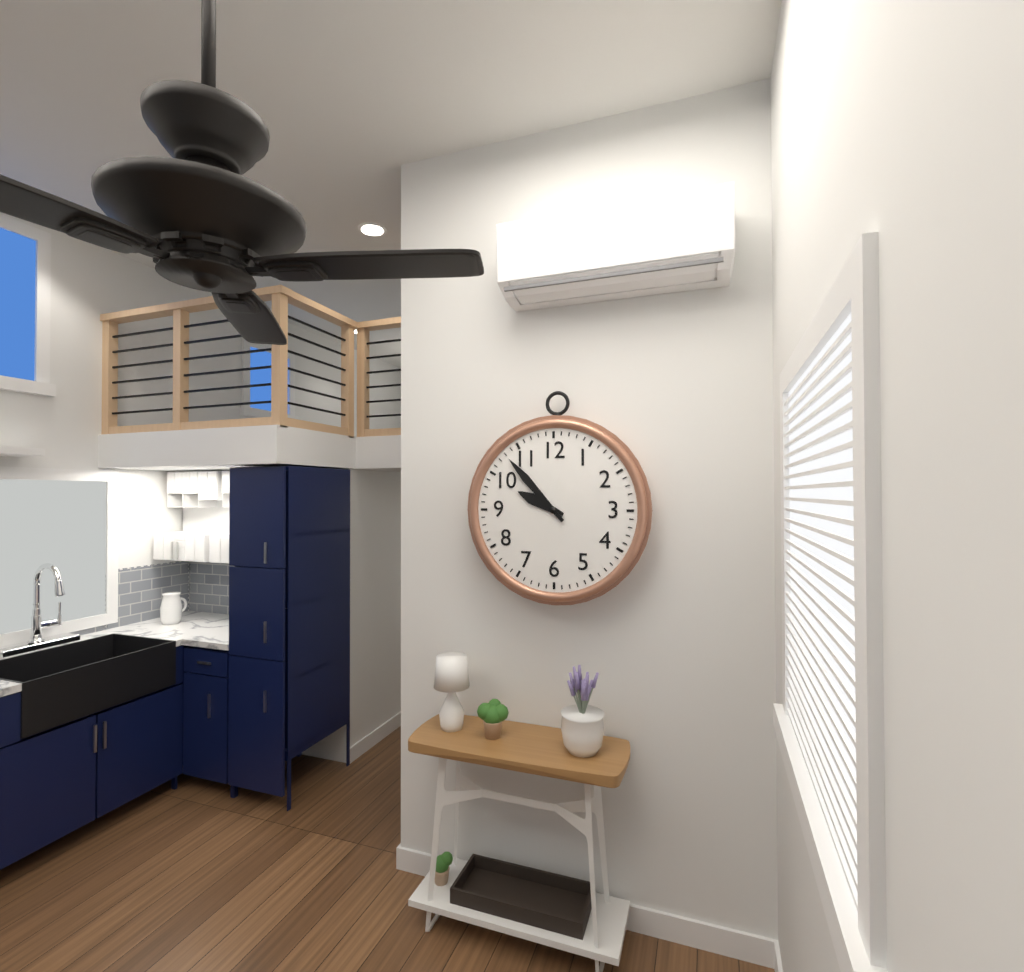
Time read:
9,53
